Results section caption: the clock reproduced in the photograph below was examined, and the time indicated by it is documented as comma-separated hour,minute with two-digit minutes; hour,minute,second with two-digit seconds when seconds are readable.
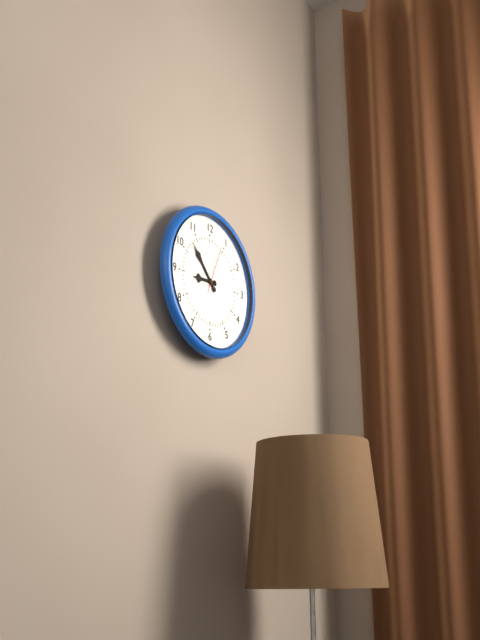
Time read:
8,53
